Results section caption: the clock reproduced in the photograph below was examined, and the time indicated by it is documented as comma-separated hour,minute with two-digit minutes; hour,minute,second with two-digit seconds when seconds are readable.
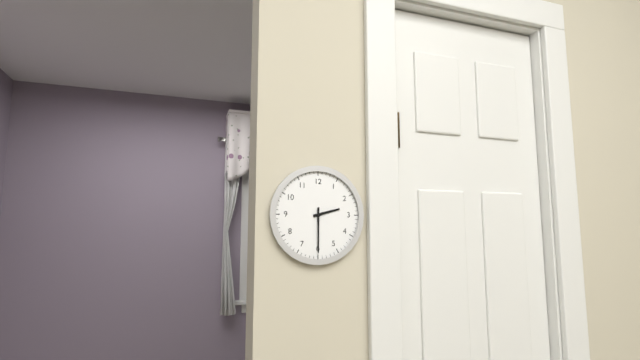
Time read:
2,30
